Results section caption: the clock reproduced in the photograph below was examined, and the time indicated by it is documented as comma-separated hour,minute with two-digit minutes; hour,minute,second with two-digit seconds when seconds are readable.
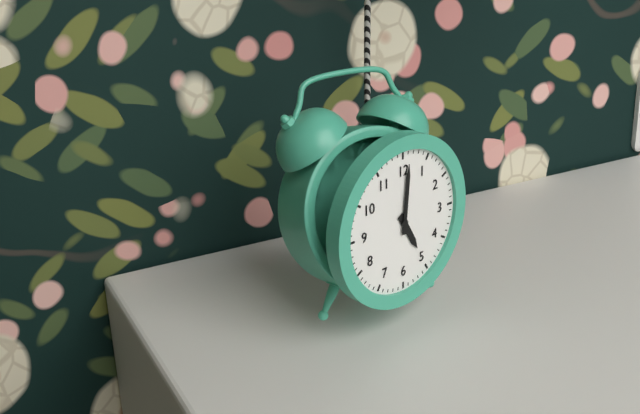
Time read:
5,01
